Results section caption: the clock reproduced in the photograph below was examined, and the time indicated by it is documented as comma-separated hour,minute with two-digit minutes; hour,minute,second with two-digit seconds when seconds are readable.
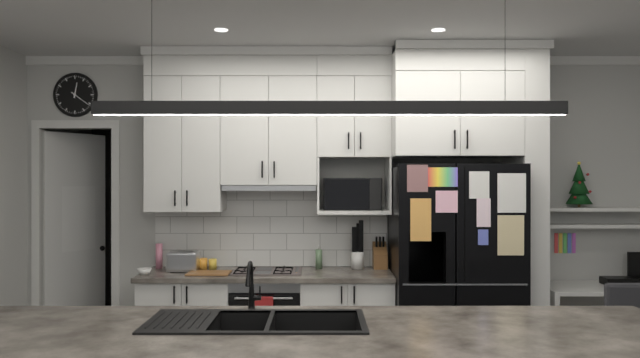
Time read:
12,21
